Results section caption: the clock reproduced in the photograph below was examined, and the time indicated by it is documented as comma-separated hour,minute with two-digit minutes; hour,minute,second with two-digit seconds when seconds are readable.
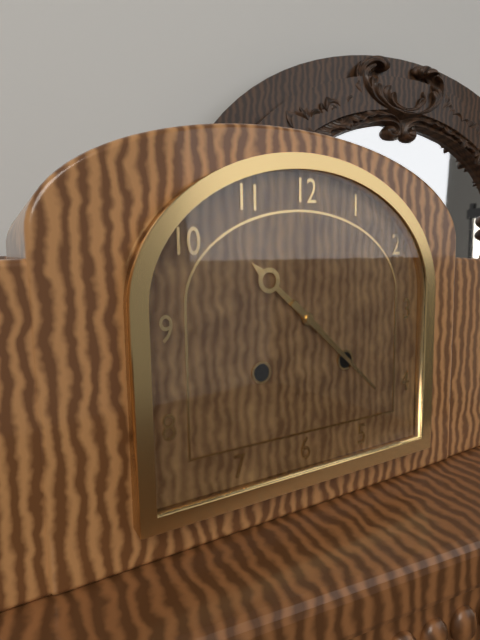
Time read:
10,22
